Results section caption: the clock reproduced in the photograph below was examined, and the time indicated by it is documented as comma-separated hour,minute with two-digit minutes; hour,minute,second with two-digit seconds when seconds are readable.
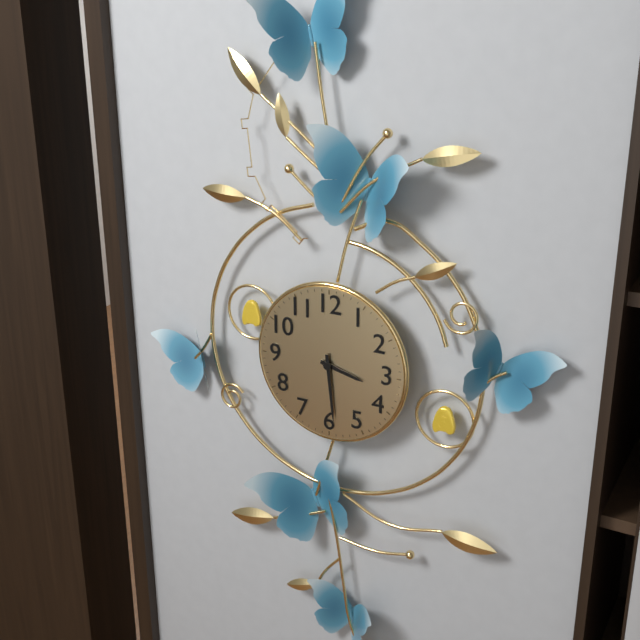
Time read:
3,29
